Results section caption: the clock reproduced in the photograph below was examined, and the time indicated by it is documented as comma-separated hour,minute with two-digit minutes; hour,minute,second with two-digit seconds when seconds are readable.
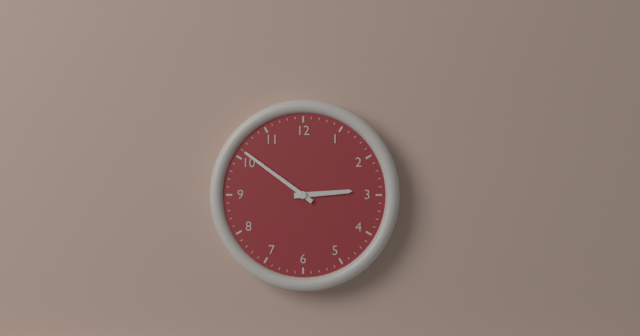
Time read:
2,51
